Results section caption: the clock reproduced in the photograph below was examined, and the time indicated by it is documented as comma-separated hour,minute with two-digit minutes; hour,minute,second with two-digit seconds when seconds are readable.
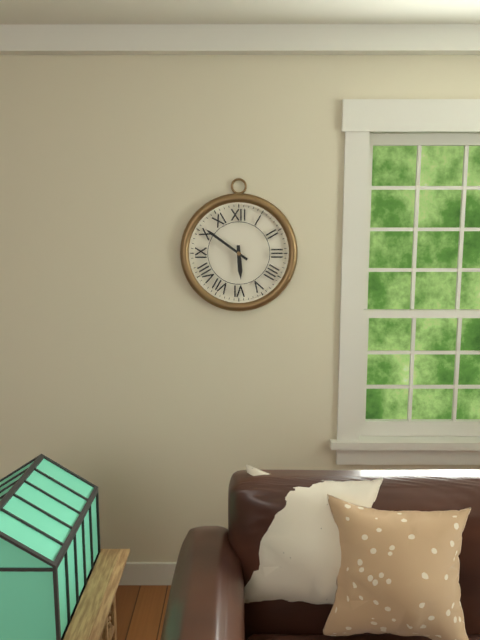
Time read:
5,51
